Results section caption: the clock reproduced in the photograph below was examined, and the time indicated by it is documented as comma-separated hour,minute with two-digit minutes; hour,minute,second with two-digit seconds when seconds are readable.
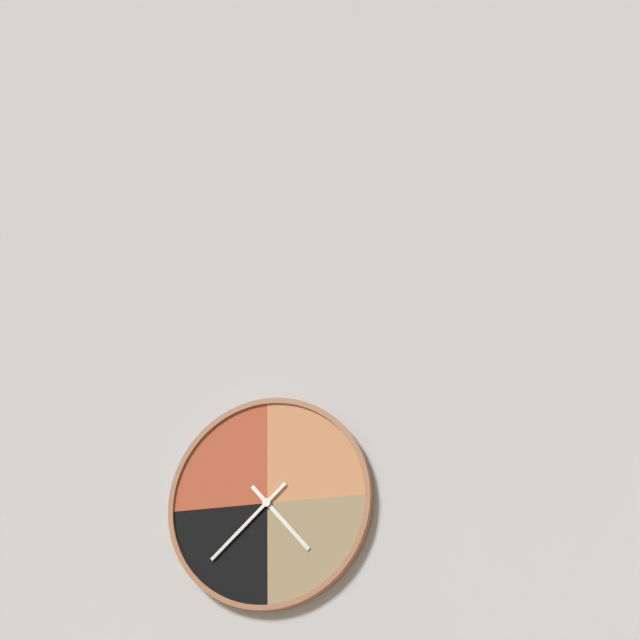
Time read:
4,38
